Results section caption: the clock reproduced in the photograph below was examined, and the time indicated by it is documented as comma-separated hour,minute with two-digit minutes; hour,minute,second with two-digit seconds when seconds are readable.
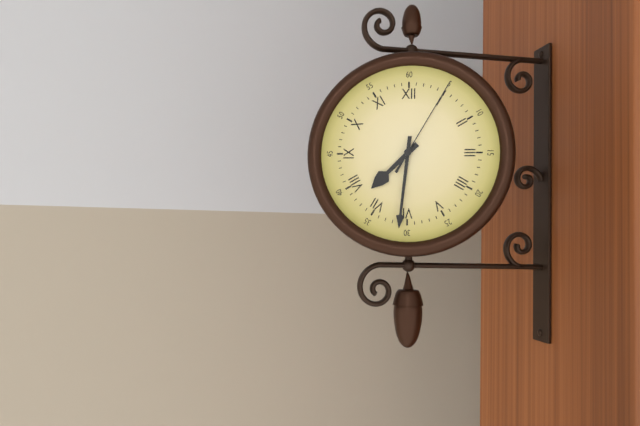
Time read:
7,31,05
